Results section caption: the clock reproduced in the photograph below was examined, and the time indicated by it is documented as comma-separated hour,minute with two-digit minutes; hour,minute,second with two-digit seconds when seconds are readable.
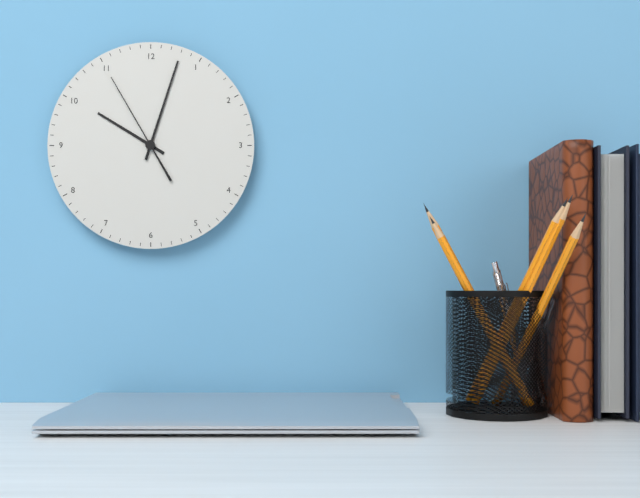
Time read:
10,03,55
